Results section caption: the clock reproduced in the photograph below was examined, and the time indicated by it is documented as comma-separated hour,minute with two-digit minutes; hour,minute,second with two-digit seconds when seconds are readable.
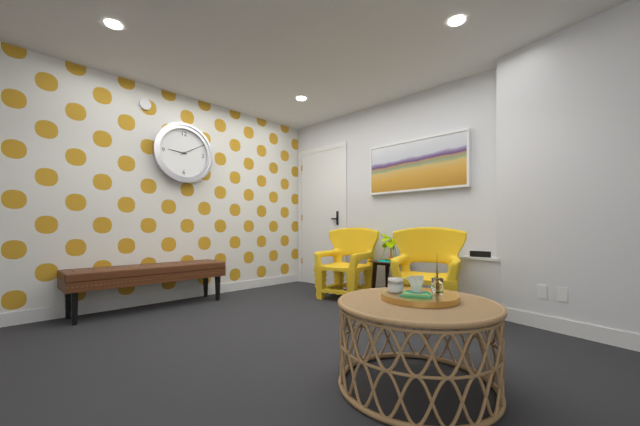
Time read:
9,10
